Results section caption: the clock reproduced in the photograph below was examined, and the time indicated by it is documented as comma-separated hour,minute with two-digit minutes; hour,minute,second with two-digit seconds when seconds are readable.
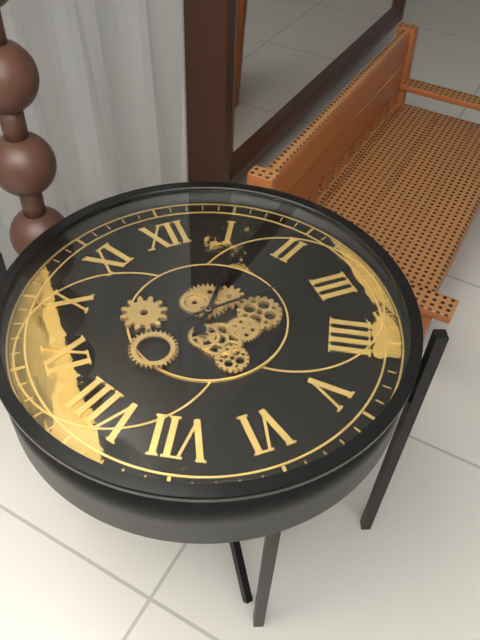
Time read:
1,14
